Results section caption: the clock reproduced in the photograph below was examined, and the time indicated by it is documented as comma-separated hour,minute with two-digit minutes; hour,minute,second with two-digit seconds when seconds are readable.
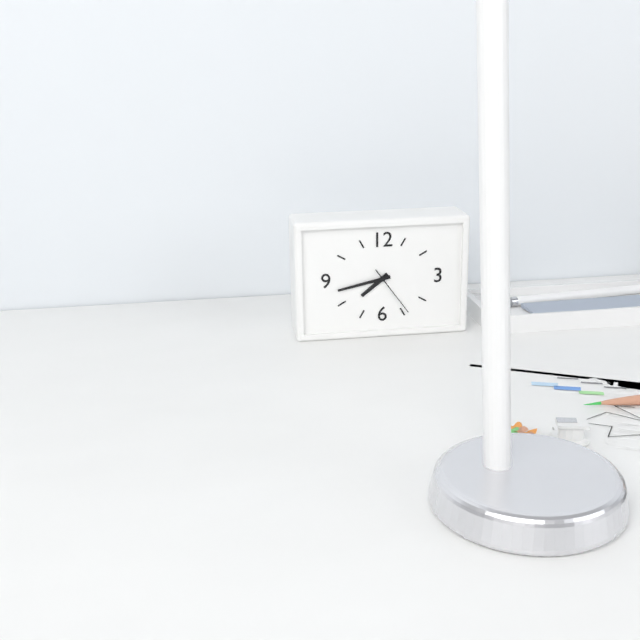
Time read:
7,43,24
